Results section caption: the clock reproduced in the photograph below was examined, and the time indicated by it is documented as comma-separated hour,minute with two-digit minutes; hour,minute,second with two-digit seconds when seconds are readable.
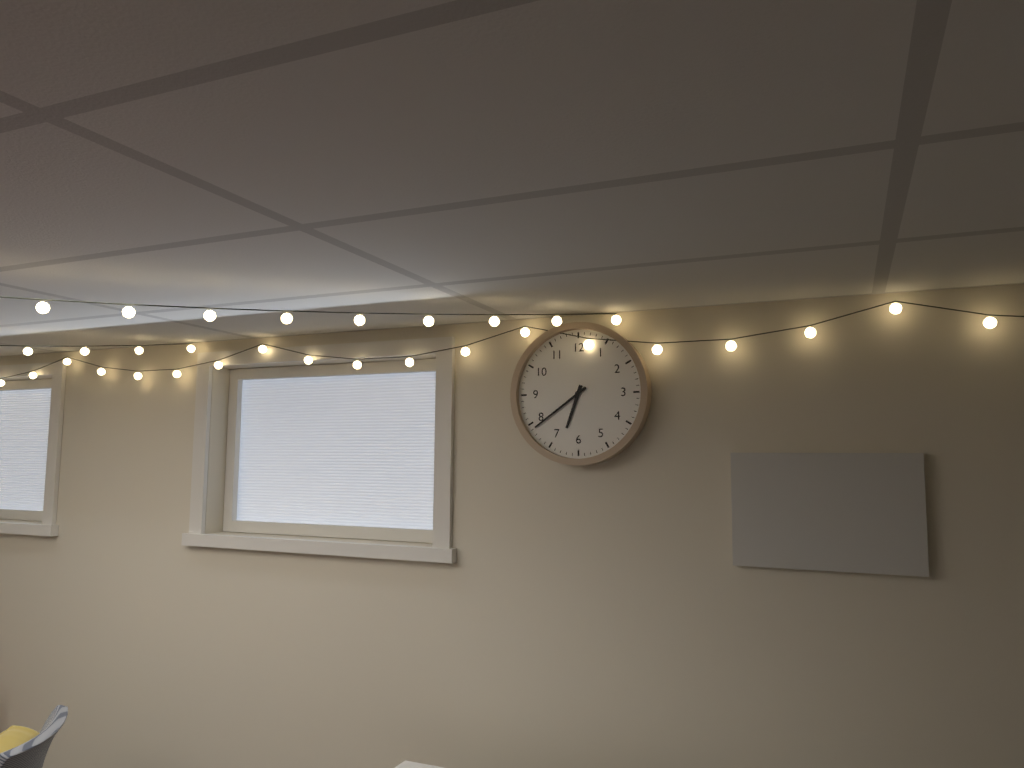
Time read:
6,39
